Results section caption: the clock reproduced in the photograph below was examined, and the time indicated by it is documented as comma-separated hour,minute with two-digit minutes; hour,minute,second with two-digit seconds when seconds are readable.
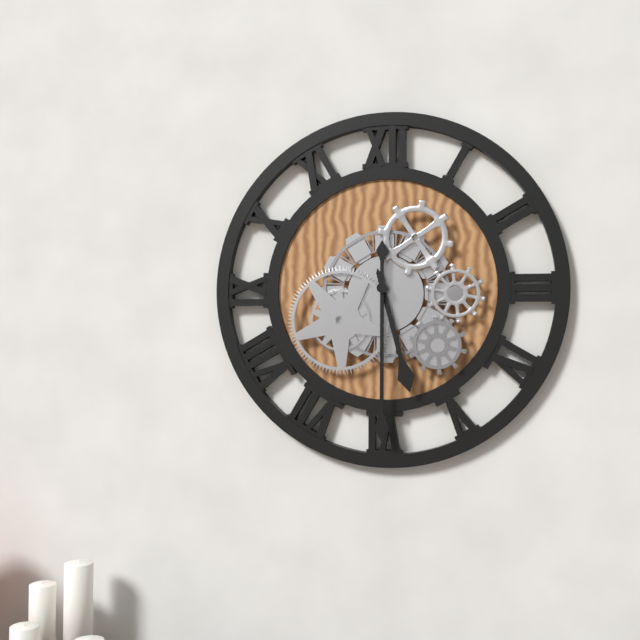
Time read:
5,30
